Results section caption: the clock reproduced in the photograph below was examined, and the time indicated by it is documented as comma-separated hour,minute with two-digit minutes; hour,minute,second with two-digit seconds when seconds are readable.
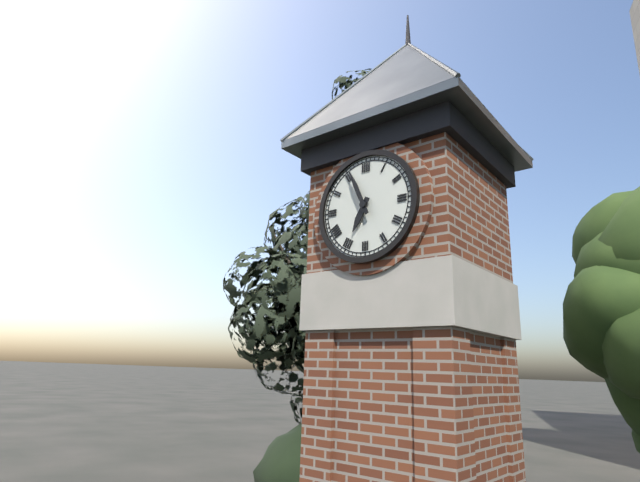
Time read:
6,56
